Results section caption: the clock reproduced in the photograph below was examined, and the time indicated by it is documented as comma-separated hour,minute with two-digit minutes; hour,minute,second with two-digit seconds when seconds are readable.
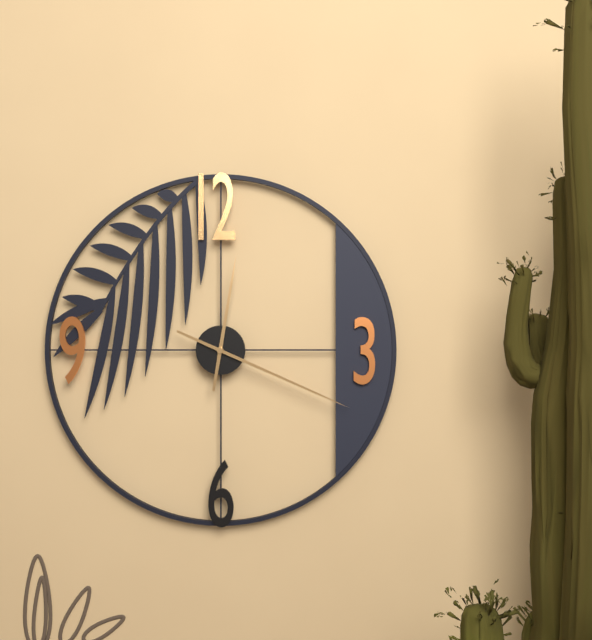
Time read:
12,19
